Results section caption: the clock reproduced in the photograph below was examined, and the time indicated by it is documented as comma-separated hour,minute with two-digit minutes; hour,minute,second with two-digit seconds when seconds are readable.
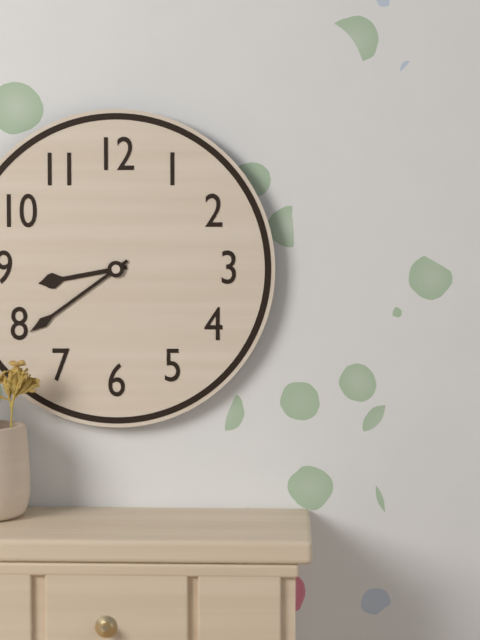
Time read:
8,39
